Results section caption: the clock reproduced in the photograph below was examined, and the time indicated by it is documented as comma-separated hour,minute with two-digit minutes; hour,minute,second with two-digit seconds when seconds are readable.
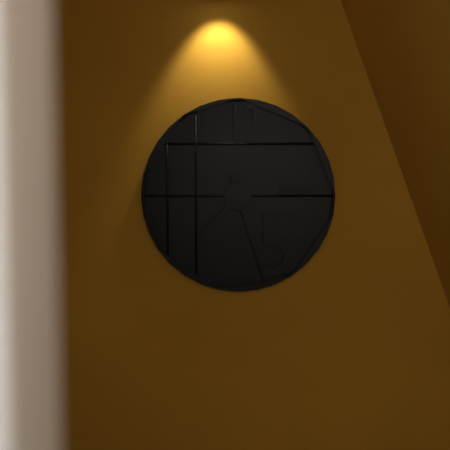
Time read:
7,27
